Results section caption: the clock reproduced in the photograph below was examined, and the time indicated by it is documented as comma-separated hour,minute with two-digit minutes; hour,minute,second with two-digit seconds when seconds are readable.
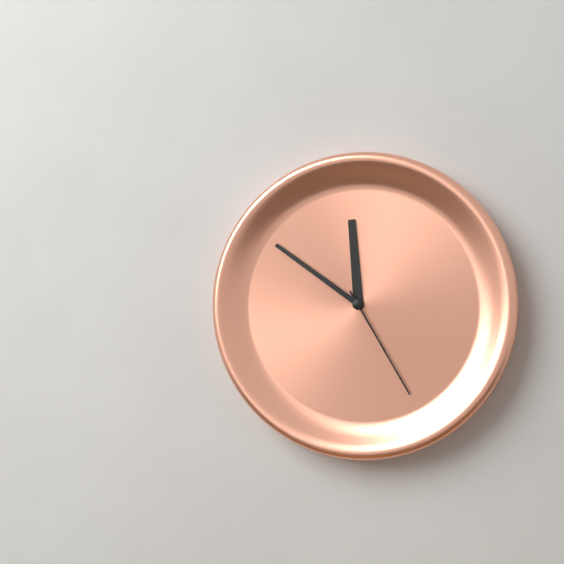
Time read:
11,51,25
